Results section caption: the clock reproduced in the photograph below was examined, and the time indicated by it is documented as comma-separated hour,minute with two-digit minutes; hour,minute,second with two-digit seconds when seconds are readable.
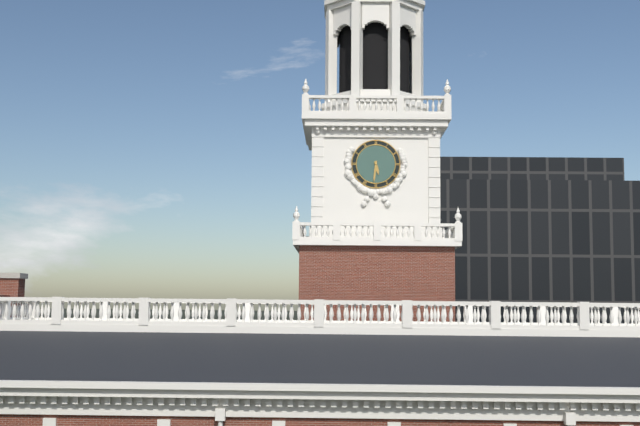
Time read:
5,31
